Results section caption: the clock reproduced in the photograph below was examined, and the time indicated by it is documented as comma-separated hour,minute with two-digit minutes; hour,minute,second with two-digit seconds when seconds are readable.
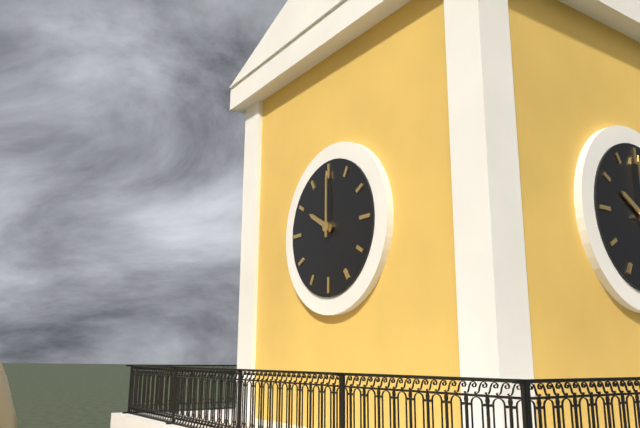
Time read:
10,00
